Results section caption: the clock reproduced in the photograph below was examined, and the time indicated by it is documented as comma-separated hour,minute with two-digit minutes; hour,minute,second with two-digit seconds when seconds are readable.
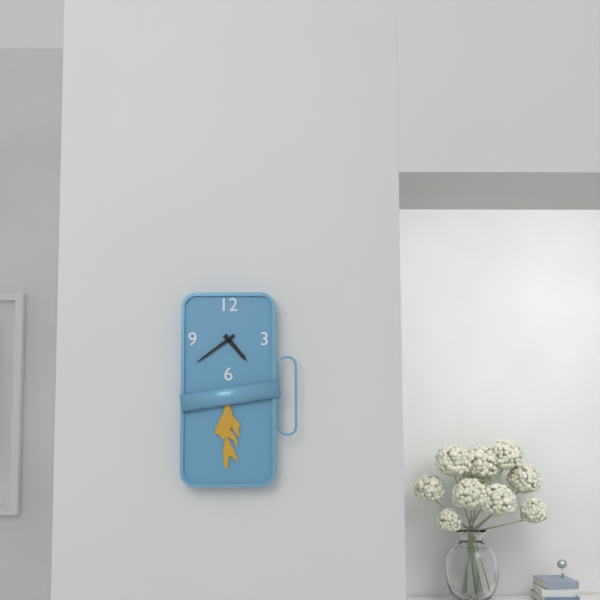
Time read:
4,39
